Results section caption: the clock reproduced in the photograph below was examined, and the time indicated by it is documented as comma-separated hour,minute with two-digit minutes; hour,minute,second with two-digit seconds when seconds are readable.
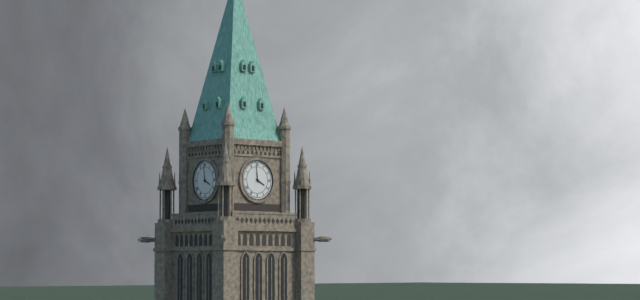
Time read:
3,59
